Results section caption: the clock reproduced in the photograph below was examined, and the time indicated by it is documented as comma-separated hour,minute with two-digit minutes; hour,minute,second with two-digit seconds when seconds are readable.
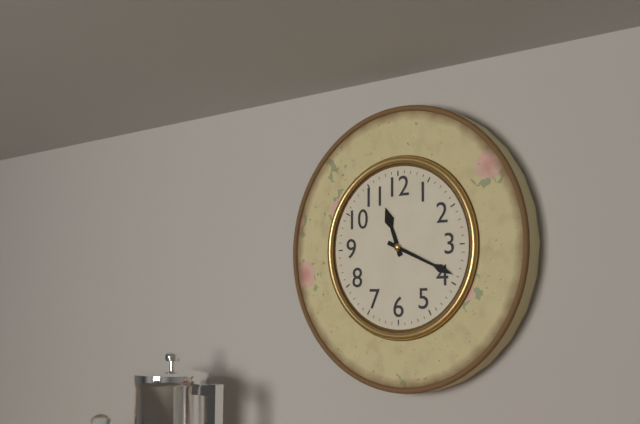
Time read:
11,19
